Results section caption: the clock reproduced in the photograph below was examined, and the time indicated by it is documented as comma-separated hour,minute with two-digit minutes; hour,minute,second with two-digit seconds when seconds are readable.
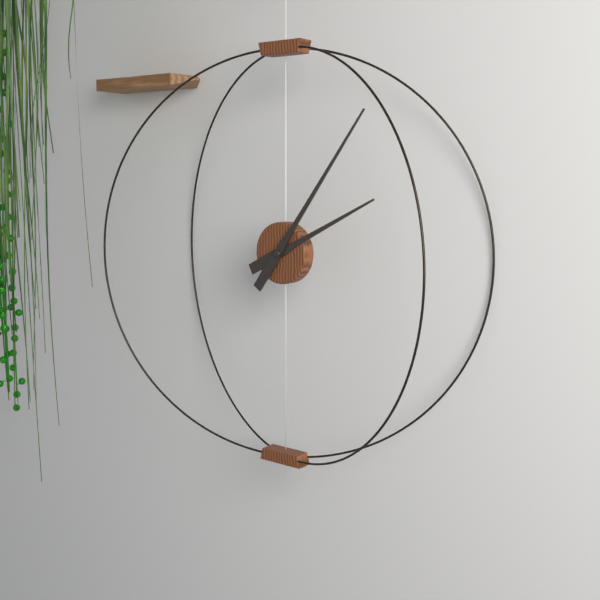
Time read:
2,06
